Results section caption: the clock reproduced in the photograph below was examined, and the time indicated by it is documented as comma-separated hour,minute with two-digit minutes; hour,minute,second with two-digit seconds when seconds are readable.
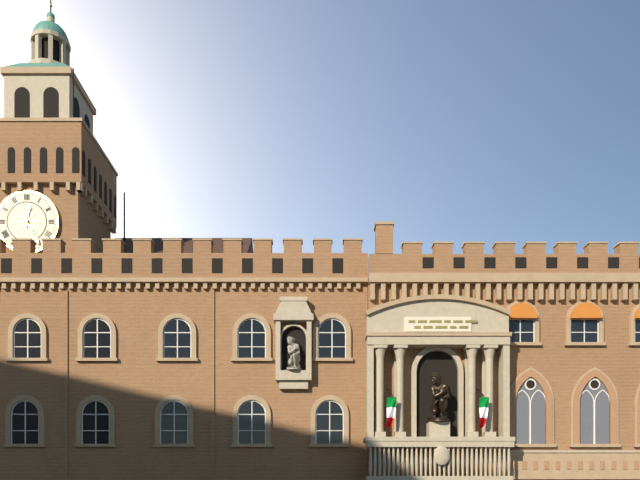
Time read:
12,25
